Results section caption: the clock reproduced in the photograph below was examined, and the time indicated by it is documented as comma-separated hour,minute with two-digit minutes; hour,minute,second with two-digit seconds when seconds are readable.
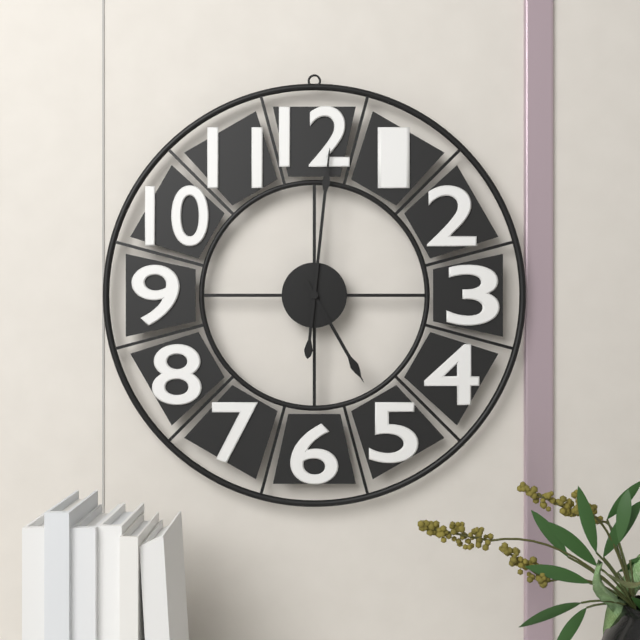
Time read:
5,01
